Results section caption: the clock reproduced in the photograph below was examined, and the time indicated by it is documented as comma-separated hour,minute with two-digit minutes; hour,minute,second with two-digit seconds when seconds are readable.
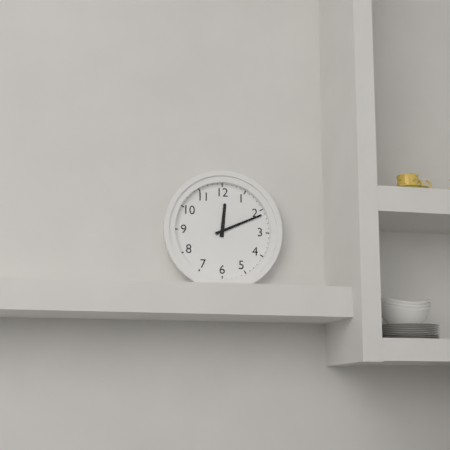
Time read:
12,11
